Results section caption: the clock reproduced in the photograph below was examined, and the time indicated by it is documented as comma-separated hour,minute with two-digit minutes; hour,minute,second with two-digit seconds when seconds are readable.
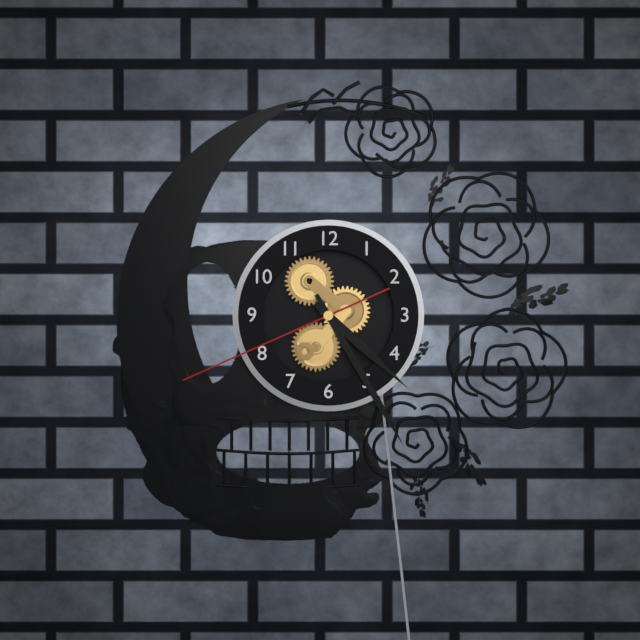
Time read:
4,25,41
